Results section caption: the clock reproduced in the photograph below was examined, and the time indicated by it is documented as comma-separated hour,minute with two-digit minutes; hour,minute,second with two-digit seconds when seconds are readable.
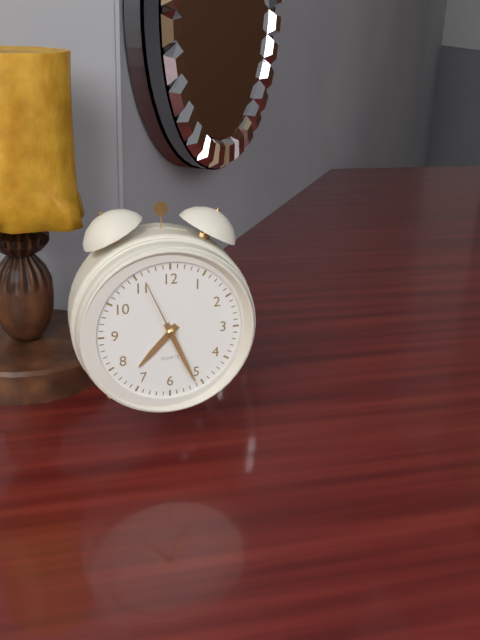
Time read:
7,26,56
